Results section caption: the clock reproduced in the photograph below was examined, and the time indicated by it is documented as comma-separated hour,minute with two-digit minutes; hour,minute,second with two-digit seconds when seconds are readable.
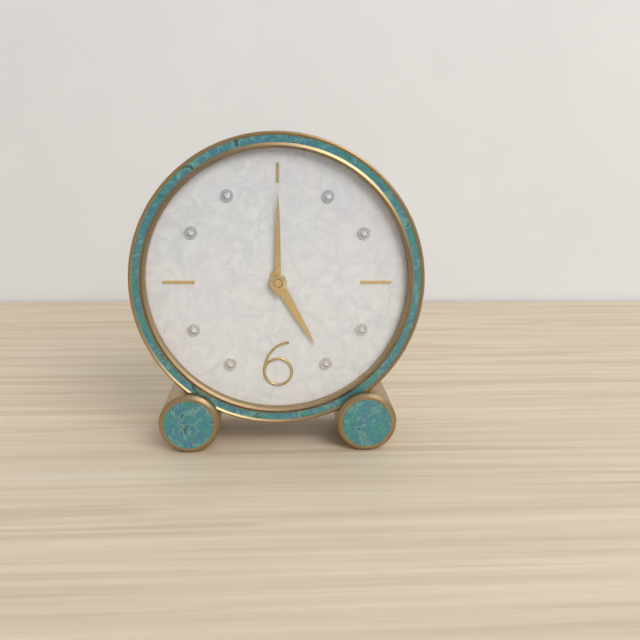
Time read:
5,00
